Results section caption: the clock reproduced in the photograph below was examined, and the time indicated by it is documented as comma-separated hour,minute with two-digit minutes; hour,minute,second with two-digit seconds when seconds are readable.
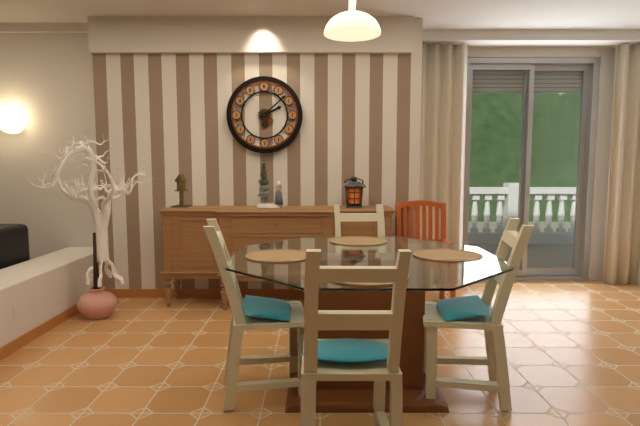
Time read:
2,08
